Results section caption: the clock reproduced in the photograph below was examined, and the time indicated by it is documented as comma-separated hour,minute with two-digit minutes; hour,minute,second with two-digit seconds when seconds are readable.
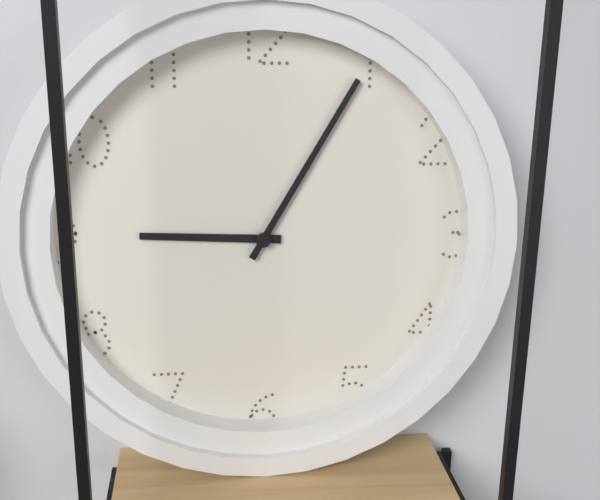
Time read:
9,05
